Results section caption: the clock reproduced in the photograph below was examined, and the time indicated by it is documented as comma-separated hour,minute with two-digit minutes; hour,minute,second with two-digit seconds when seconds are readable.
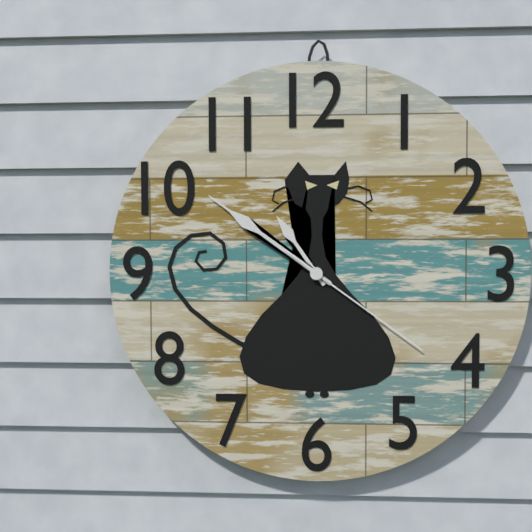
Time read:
10,51,21
